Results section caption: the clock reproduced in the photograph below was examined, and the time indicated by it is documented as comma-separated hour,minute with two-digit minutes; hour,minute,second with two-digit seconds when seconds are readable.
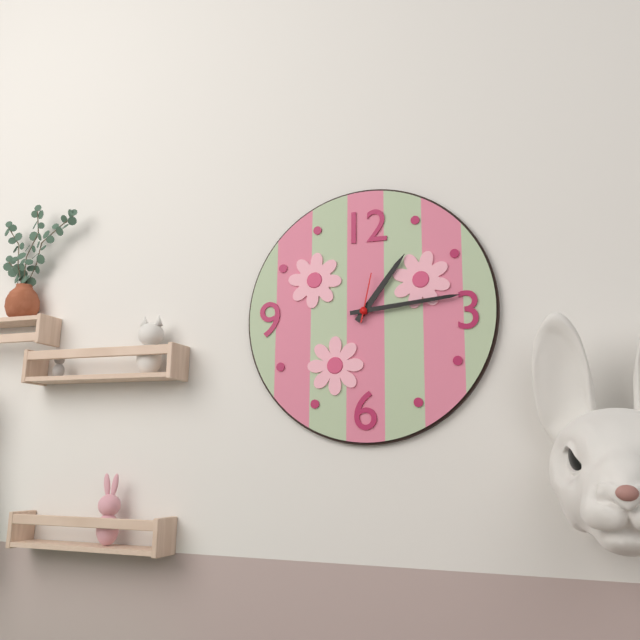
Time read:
1,14,02
